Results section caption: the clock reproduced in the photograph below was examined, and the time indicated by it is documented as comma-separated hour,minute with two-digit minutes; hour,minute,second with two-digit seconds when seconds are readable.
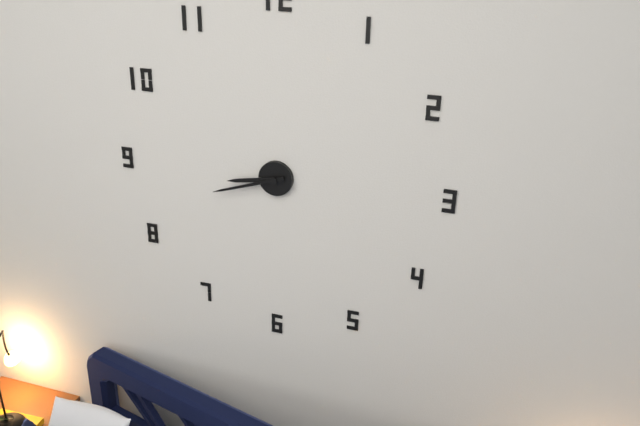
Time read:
8,42
